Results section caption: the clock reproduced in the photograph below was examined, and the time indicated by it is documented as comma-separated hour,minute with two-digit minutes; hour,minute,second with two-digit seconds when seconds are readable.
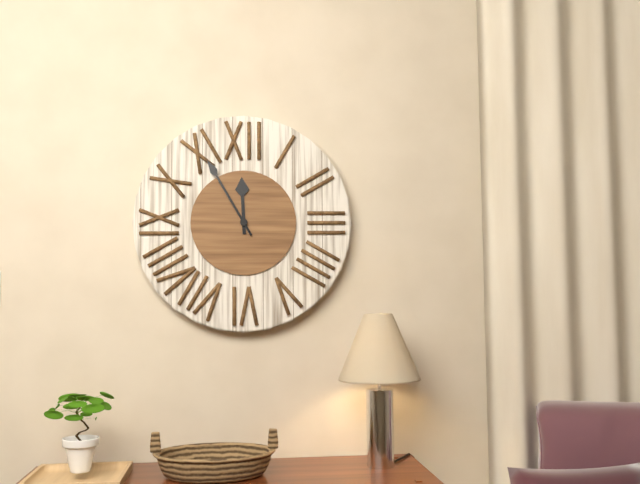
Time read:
11,55
